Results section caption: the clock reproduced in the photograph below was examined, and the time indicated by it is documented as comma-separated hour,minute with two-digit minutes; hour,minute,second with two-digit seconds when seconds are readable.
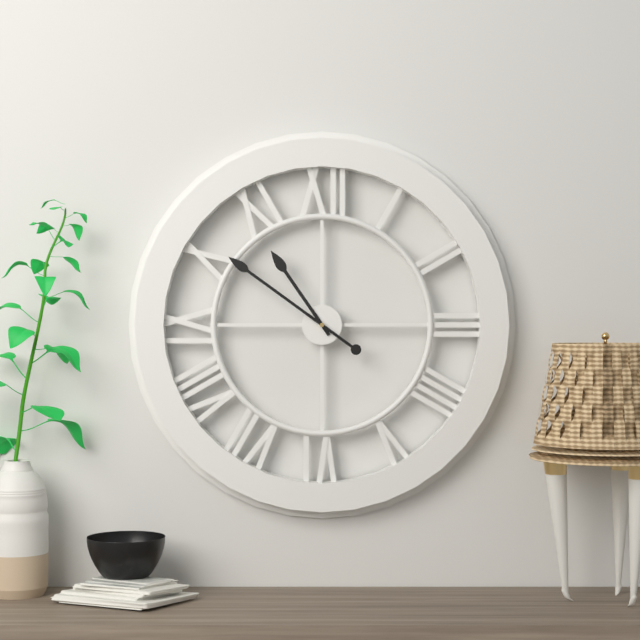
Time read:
10,51
